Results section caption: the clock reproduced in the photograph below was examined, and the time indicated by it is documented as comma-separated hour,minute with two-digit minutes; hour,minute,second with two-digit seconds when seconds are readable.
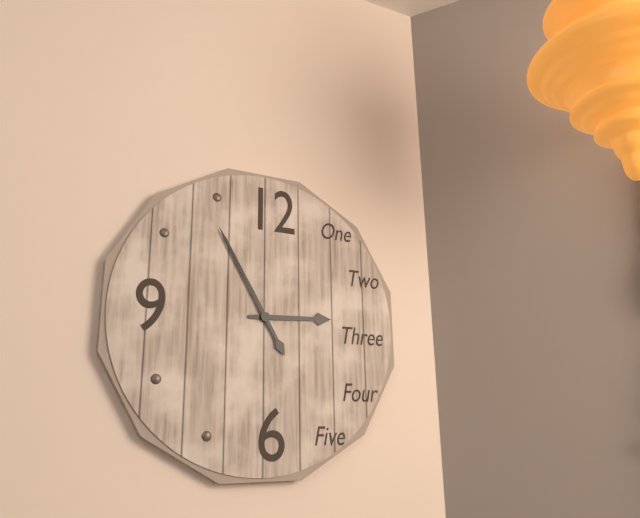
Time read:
2,55
